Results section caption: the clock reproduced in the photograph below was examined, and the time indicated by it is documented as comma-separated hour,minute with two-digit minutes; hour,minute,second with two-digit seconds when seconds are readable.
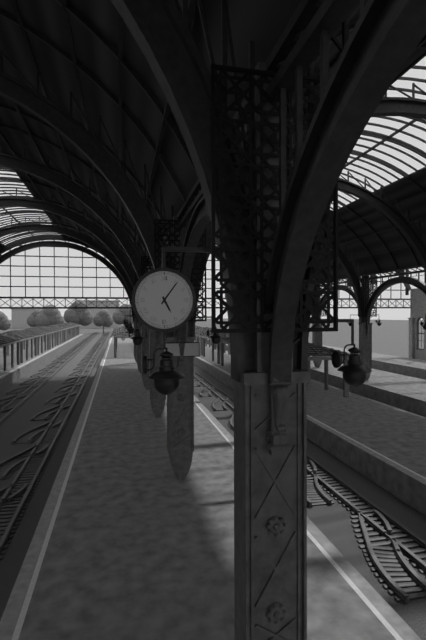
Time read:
5,06
